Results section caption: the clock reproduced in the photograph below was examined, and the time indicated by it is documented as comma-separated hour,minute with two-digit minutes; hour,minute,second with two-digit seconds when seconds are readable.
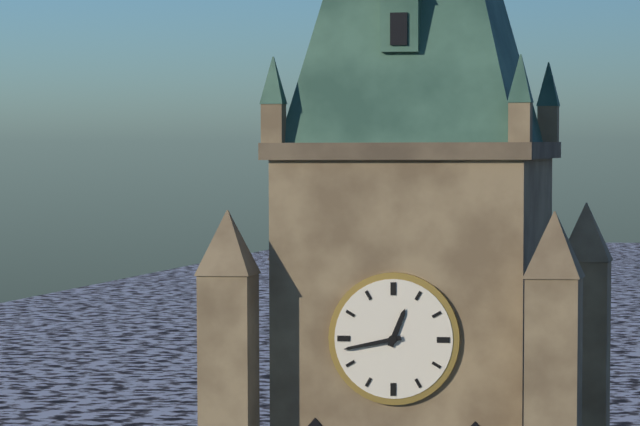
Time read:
12,43
